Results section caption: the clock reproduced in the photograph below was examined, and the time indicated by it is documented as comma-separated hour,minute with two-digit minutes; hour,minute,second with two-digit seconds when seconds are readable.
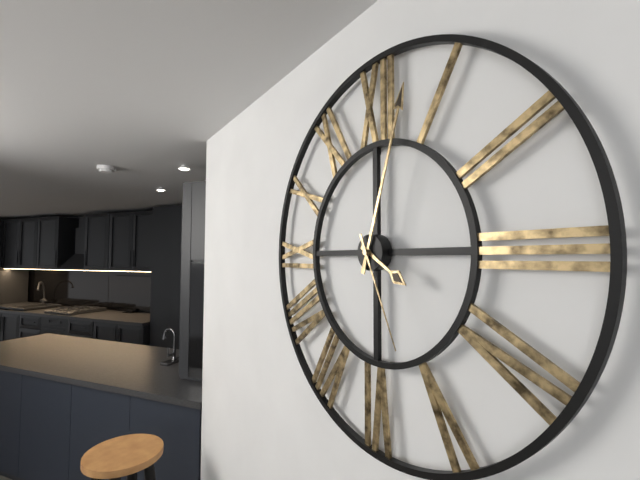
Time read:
4,03,26
